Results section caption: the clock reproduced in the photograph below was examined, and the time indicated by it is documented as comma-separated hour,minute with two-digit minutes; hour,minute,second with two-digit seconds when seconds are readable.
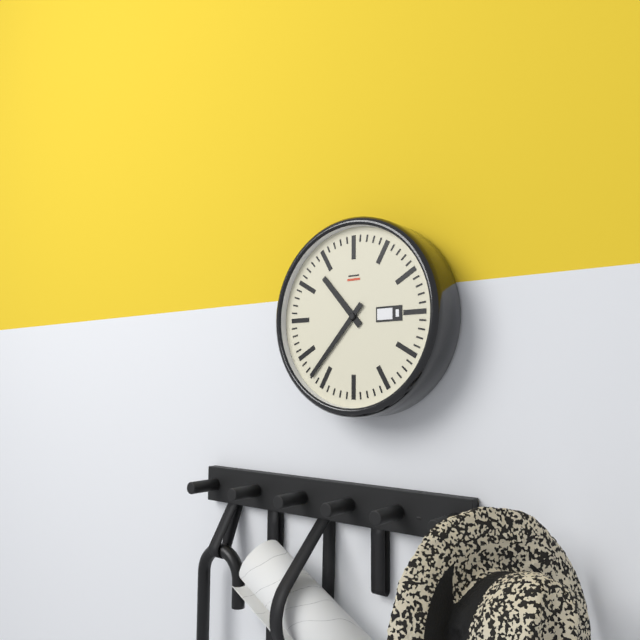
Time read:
10,37
